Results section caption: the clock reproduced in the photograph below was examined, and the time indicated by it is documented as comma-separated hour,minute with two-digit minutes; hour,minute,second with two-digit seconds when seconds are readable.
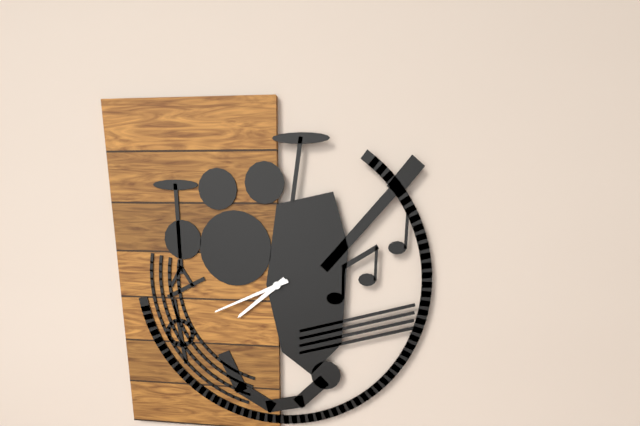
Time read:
7,41
